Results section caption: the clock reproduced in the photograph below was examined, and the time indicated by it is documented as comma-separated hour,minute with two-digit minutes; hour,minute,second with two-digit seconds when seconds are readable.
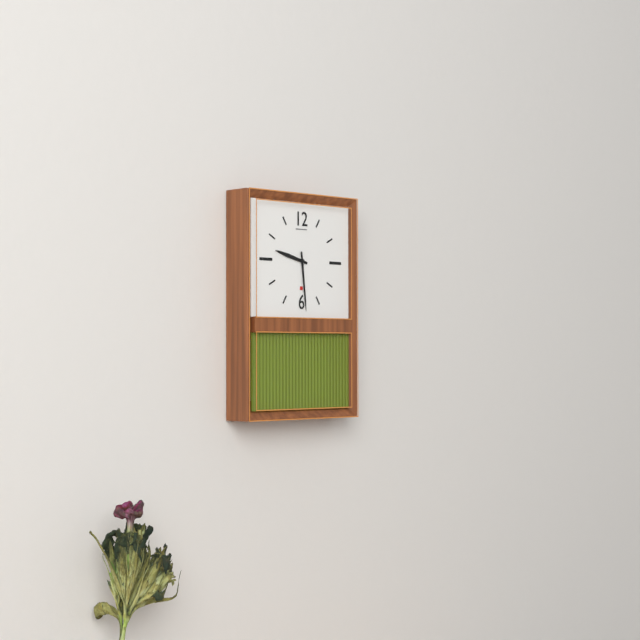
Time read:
9,29
